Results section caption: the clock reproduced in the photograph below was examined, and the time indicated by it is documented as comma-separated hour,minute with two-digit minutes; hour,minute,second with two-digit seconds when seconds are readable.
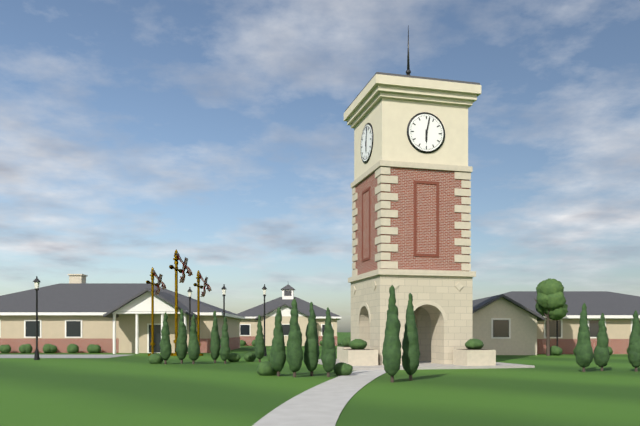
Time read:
6,02
